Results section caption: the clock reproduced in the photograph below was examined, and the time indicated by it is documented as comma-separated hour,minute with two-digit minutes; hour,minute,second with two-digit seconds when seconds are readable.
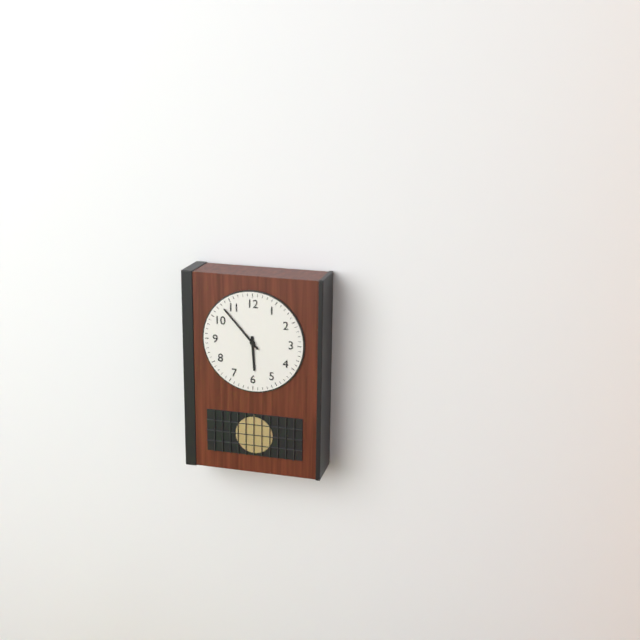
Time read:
5,53
